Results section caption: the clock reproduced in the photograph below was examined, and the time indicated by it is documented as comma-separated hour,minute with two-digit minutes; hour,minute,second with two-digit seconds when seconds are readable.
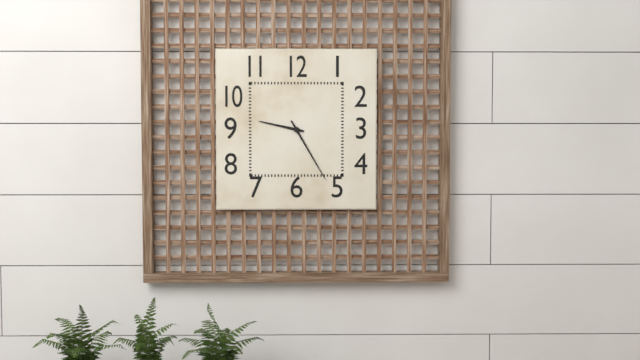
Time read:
9,25
